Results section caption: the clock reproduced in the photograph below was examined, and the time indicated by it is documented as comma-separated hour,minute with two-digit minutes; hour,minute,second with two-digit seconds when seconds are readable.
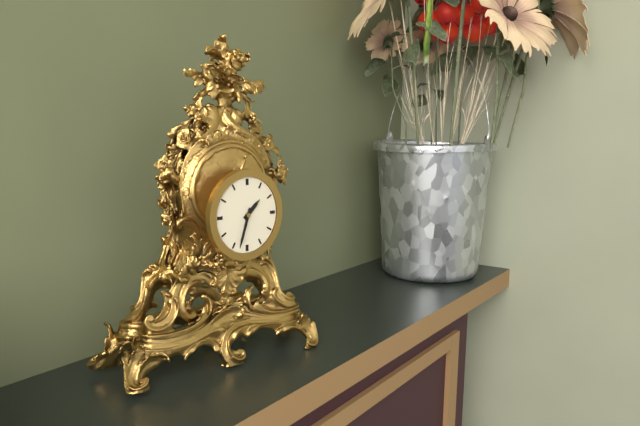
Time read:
1,33
